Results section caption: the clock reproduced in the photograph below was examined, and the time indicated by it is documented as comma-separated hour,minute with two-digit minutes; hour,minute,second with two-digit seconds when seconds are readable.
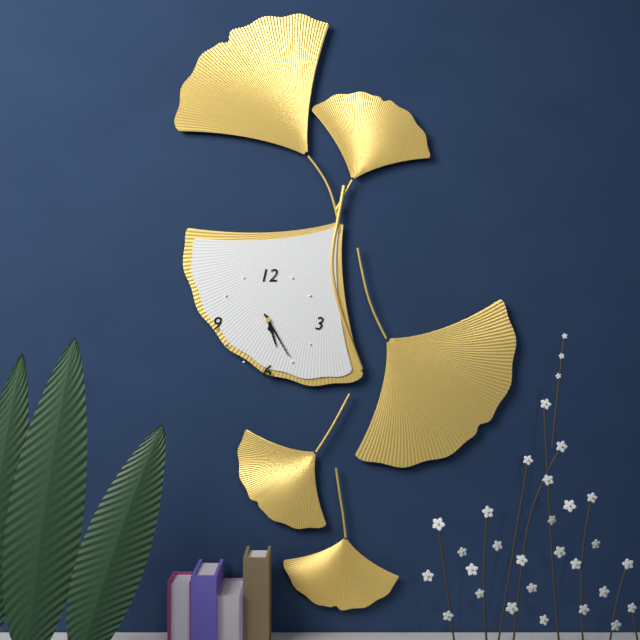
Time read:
5,25
